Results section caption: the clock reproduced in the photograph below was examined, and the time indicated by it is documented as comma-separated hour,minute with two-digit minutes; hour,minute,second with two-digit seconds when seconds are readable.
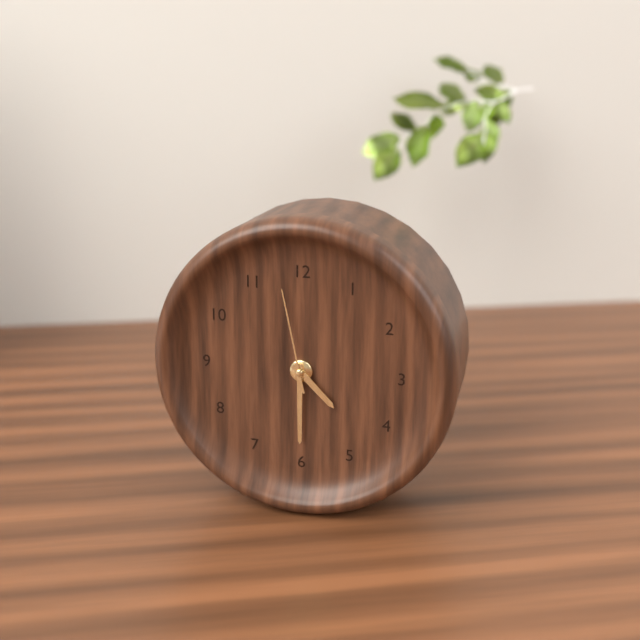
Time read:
4,30,58
